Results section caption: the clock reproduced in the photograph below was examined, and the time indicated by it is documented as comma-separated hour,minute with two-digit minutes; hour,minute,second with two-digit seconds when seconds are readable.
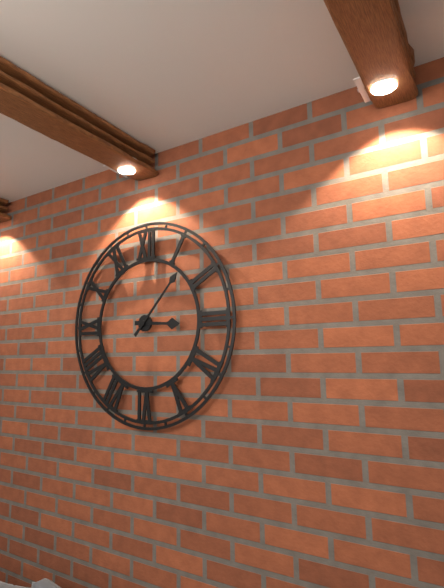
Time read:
3,07
